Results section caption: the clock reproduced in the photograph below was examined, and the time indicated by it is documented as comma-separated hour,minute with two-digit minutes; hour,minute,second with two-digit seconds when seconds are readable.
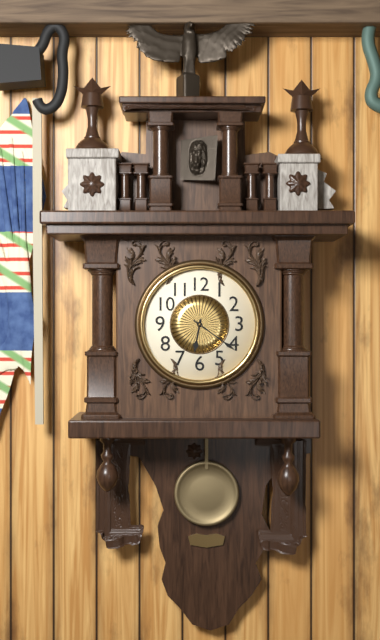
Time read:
6,21
